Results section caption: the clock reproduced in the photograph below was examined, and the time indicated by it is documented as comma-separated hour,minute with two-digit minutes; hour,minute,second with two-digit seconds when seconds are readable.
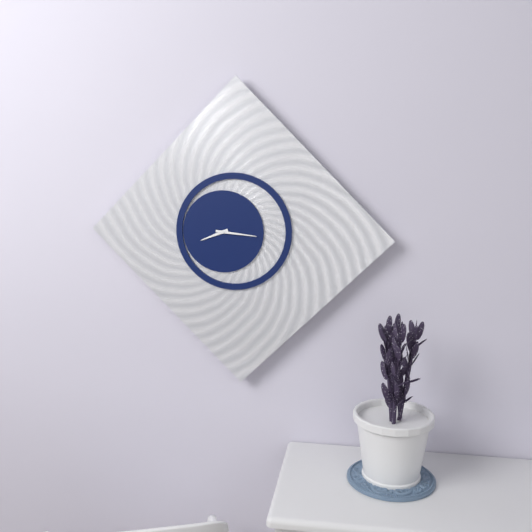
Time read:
8,16
